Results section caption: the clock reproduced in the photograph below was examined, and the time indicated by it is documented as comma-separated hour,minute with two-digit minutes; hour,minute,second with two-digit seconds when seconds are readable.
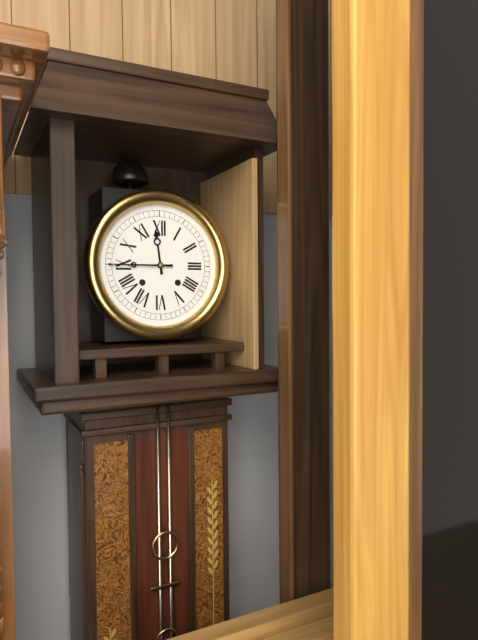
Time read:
11,45
